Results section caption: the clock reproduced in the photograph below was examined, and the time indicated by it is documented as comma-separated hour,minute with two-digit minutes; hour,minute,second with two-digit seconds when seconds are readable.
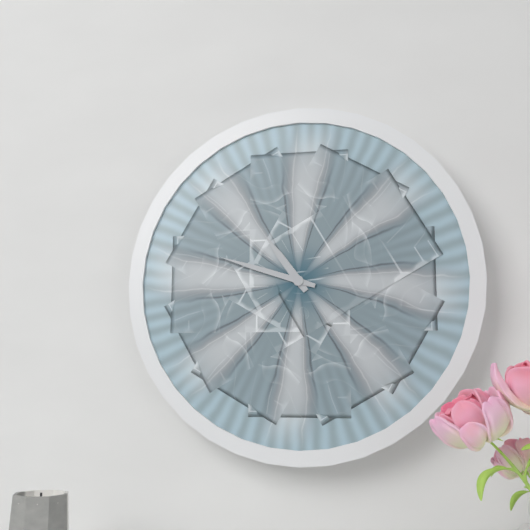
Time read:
10,48
